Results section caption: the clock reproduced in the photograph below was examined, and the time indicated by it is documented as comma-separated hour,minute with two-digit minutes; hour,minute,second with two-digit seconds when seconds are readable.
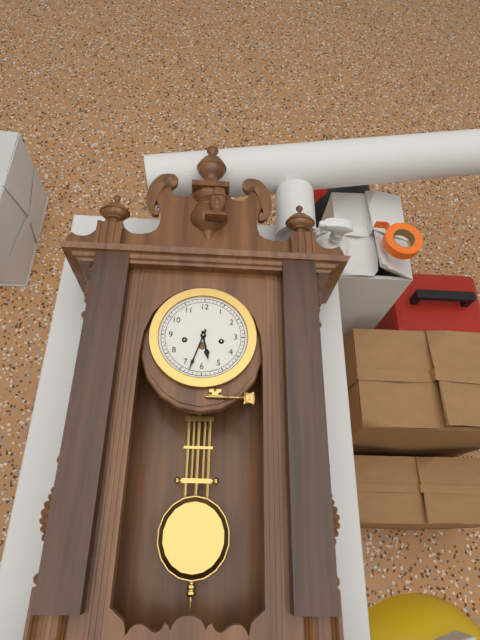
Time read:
5,33
